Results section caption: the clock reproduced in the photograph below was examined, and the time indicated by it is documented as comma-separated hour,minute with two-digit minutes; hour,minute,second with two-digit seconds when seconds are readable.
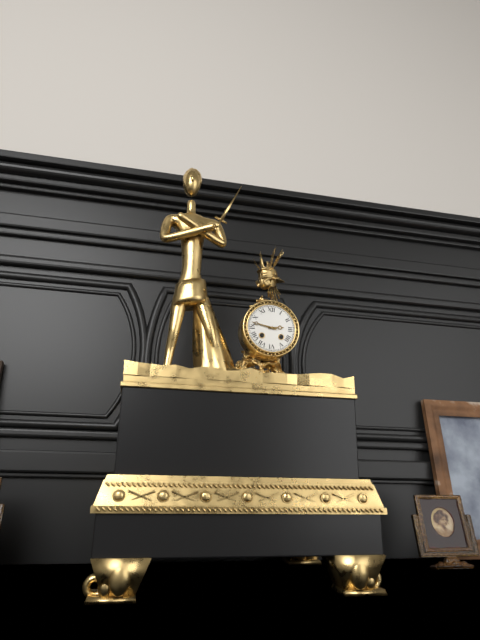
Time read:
2,47
